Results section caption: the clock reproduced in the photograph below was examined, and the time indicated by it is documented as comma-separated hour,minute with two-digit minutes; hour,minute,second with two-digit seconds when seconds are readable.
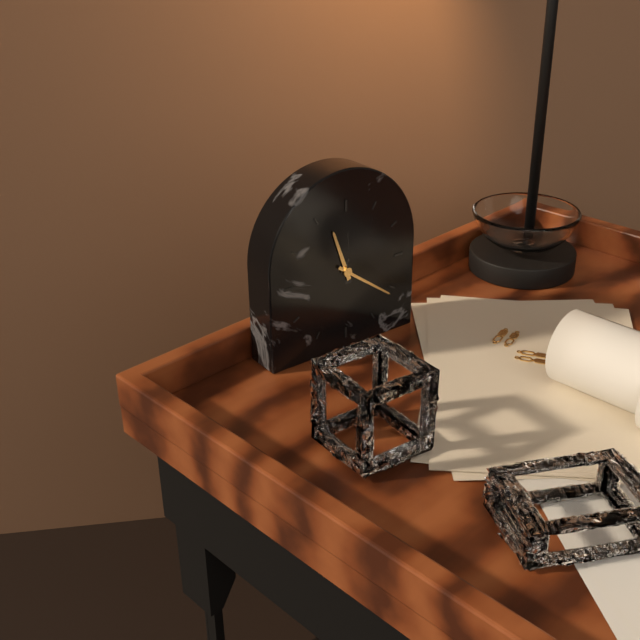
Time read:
11,21
